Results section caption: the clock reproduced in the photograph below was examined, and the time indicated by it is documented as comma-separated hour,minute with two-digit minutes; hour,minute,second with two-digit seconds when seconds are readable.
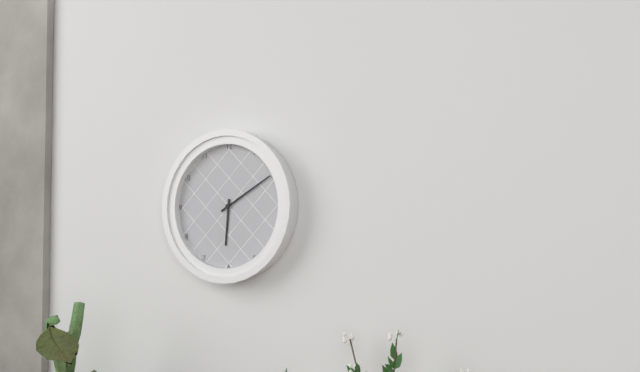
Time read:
6,10
